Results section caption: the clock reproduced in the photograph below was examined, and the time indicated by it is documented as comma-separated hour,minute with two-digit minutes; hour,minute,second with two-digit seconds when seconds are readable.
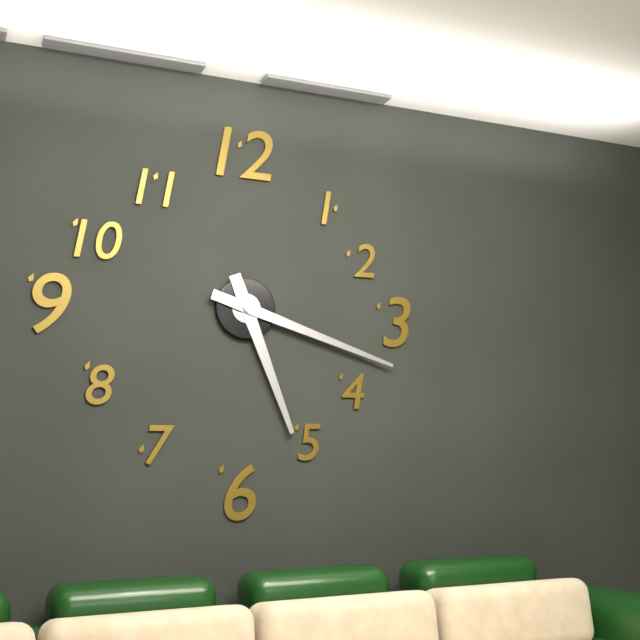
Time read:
5,18
